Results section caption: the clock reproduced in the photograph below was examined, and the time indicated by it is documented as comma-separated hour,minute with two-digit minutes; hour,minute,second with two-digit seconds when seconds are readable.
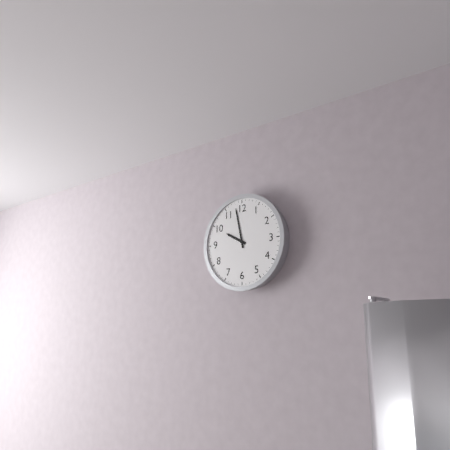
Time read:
9,58
